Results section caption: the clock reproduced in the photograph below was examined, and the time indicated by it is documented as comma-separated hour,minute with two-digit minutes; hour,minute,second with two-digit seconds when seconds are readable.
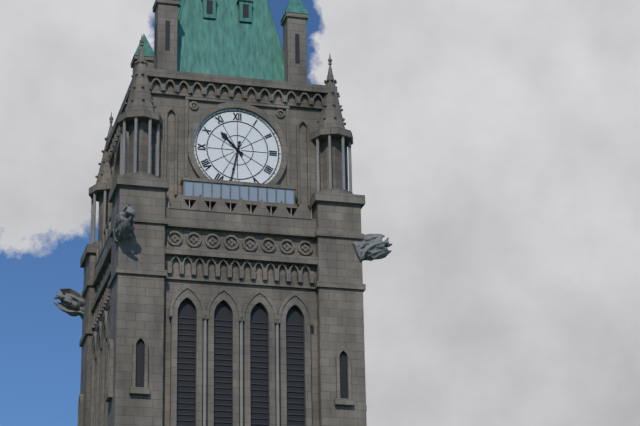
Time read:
10,32
